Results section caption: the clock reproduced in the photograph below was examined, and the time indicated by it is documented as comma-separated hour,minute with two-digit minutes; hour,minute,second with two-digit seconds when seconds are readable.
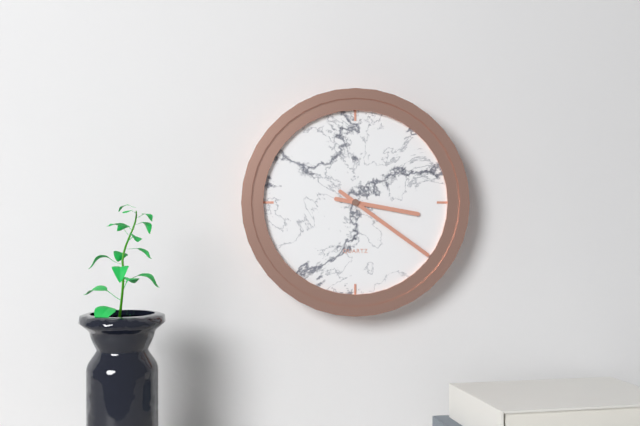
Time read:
3,21
